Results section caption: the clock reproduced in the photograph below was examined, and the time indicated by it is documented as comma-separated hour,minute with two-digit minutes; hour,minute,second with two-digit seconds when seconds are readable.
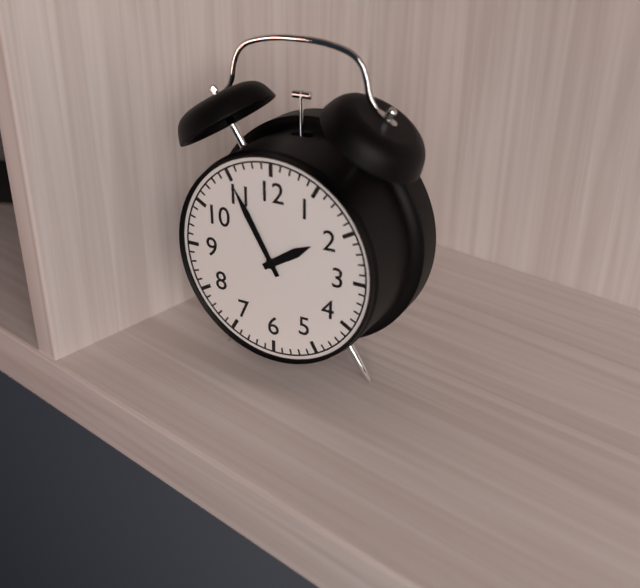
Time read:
1,55
